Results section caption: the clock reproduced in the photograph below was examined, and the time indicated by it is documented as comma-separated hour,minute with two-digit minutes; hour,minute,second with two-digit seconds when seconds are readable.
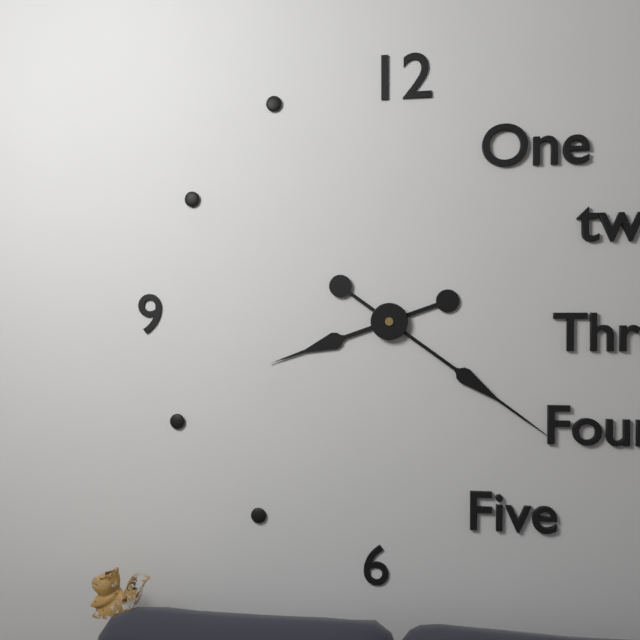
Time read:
8,21
